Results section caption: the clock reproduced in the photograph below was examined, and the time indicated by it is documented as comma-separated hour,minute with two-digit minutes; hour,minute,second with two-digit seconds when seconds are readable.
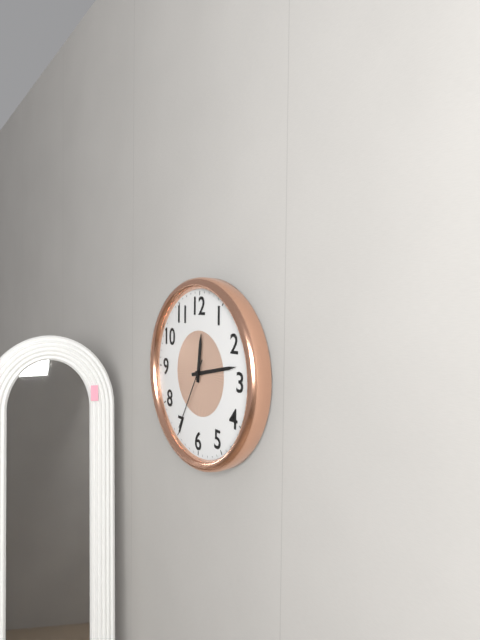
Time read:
12,13,35
